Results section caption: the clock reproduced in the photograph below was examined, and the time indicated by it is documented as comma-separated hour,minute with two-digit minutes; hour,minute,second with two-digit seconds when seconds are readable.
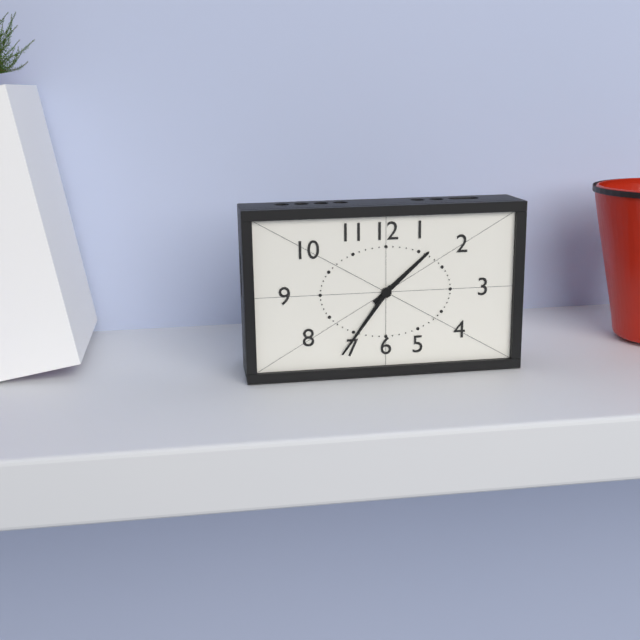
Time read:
1,36
